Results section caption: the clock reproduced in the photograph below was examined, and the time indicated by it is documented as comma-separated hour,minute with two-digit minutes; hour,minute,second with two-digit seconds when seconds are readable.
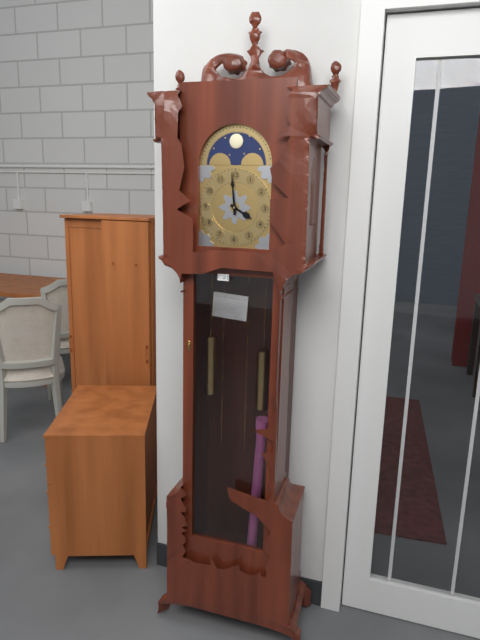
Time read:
3,59
